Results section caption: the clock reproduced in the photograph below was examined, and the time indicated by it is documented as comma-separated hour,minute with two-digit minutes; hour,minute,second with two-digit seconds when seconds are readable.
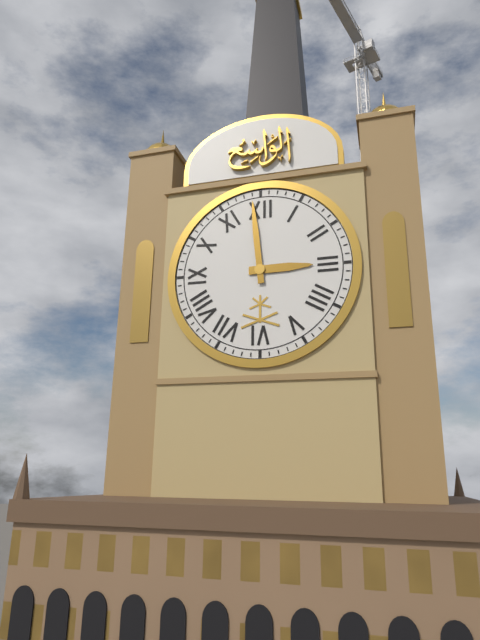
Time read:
2,59
